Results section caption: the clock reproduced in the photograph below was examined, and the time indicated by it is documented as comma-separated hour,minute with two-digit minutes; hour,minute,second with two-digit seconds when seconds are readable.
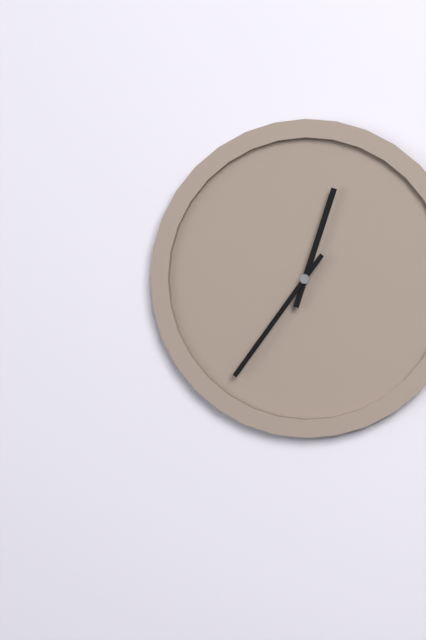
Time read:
12,36
